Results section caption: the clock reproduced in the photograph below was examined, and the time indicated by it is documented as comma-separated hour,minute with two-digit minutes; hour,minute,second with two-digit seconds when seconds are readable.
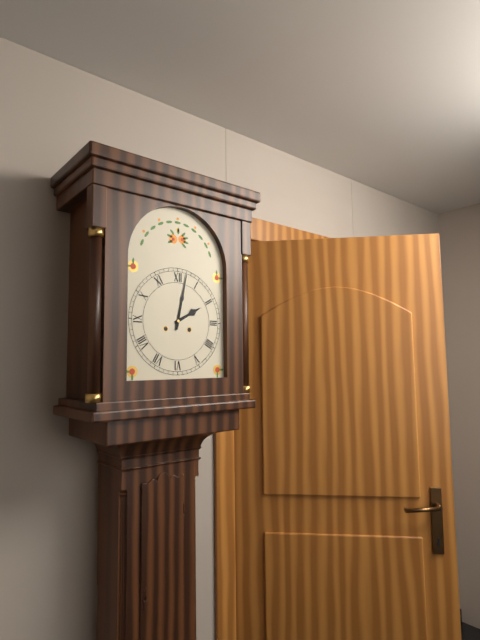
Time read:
2,02
